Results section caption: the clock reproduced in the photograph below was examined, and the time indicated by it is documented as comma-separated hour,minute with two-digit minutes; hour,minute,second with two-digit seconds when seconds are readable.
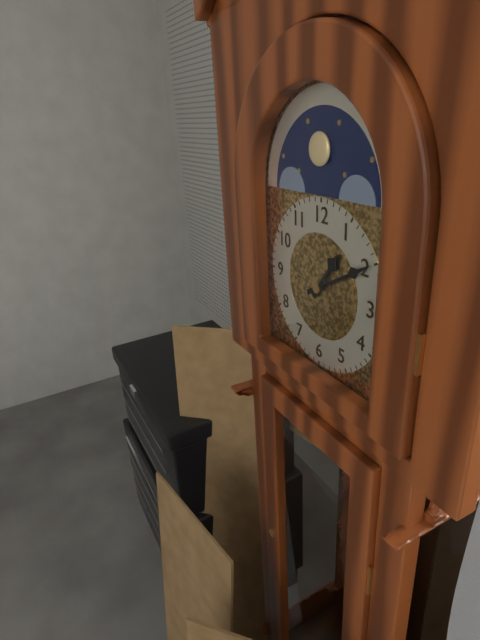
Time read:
1,10
